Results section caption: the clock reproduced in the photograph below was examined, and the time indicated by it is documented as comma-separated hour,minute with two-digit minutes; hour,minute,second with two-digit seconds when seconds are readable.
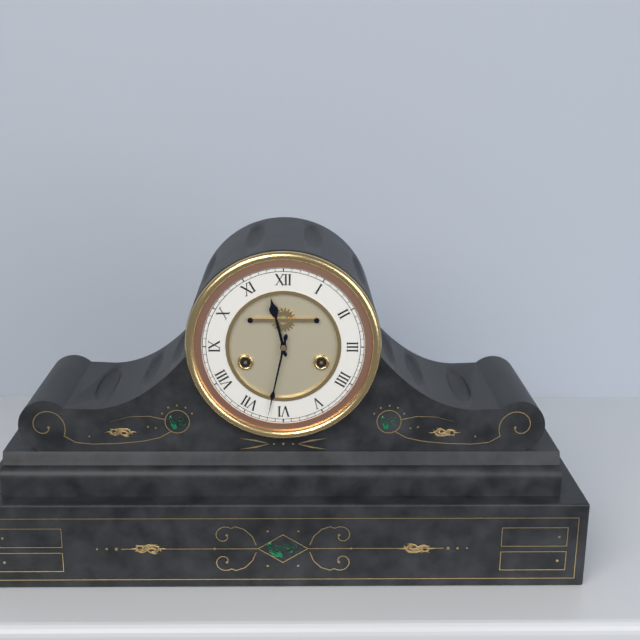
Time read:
11,32
